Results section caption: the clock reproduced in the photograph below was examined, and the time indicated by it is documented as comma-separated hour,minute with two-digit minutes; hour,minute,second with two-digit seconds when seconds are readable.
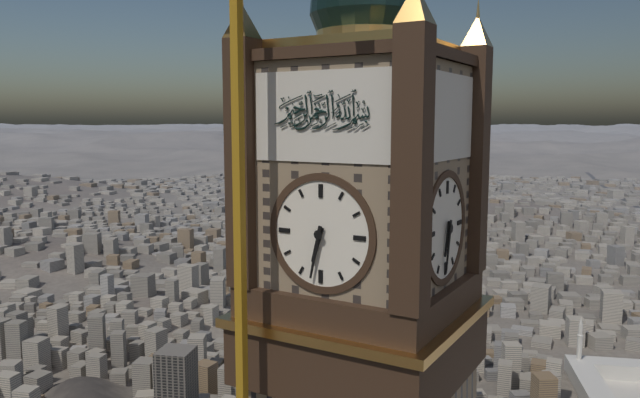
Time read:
6,32
